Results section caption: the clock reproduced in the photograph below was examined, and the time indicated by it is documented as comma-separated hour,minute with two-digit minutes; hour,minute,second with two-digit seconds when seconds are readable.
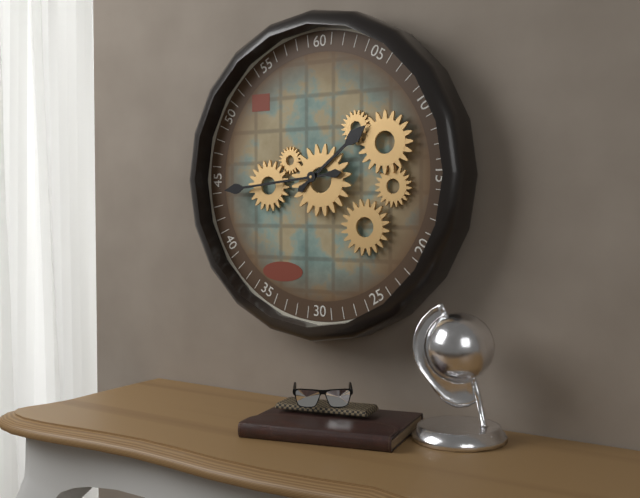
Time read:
1,44
